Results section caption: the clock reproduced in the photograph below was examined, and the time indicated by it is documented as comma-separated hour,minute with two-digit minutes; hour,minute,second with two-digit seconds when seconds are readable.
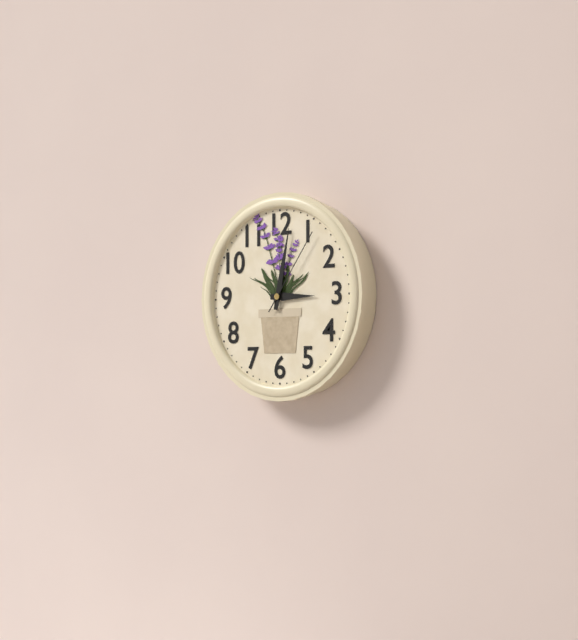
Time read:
3,02,06
